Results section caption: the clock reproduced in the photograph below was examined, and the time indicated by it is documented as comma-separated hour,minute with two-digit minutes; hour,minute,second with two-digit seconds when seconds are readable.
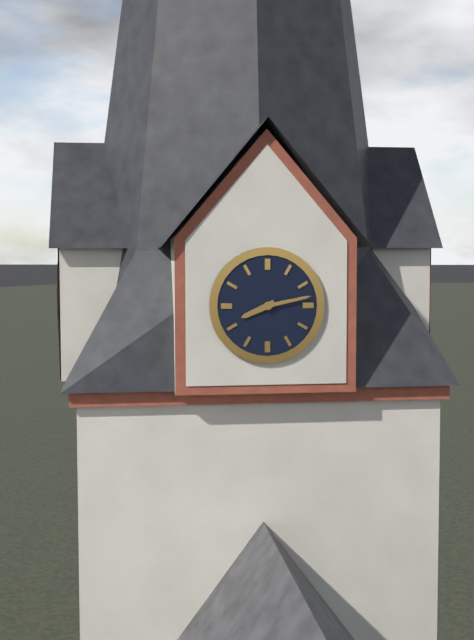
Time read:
8,13
